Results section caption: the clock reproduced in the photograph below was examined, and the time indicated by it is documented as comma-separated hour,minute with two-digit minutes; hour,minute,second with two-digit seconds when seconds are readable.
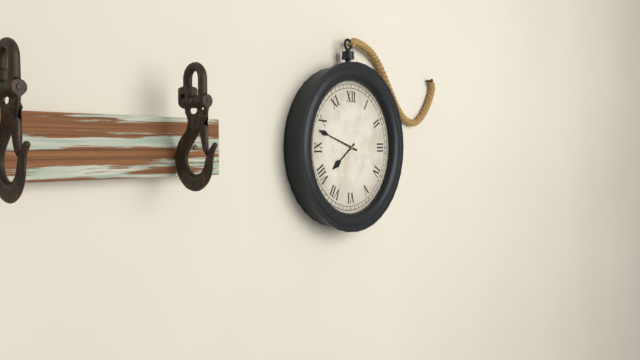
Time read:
7,48
